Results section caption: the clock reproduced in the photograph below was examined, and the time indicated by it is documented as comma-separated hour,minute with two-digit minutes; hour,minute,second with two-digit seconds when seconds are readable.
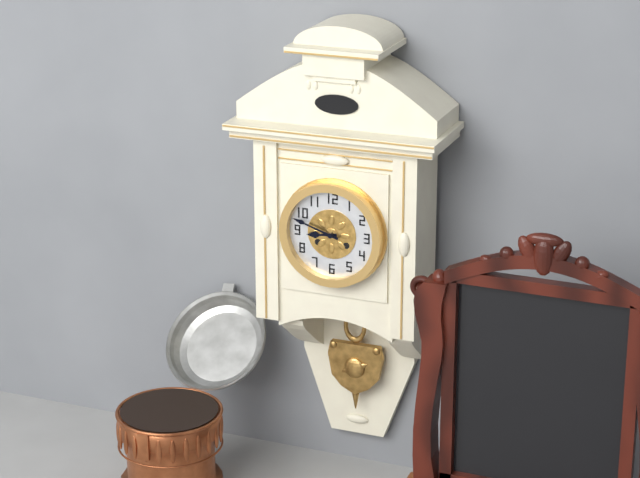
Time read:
8,48
